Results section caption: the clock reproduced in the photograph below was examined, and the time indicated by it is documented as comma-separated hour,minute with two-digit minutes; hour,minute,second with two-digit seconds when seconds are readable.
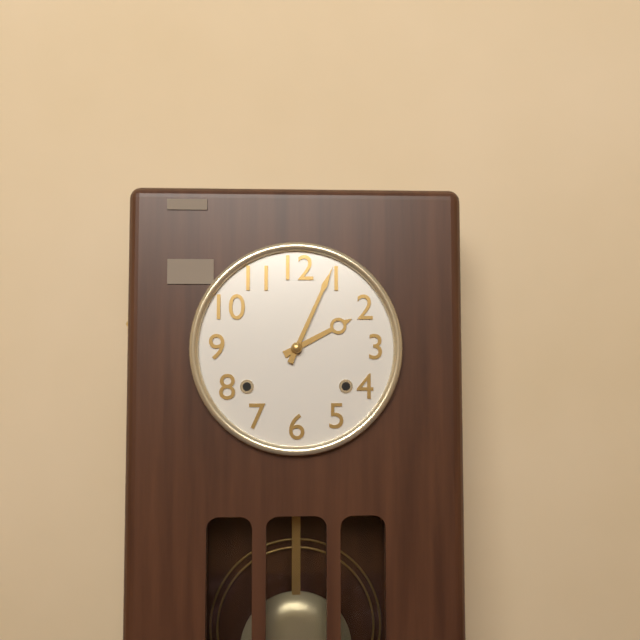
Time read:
2,04
